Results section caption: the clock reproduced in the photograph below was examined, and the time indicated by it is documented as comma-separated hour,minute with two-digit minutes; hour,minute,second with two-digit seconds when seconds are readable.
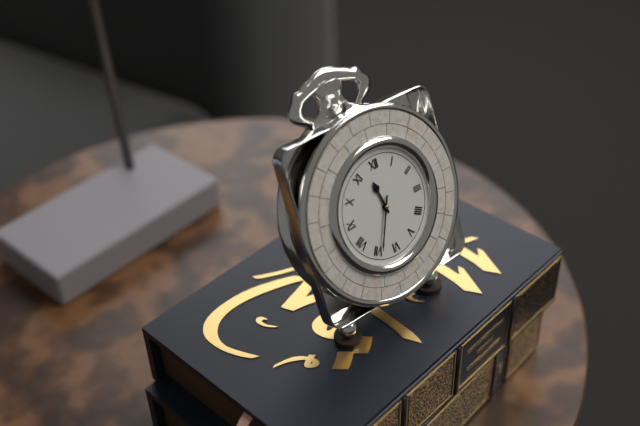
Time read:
11,34
